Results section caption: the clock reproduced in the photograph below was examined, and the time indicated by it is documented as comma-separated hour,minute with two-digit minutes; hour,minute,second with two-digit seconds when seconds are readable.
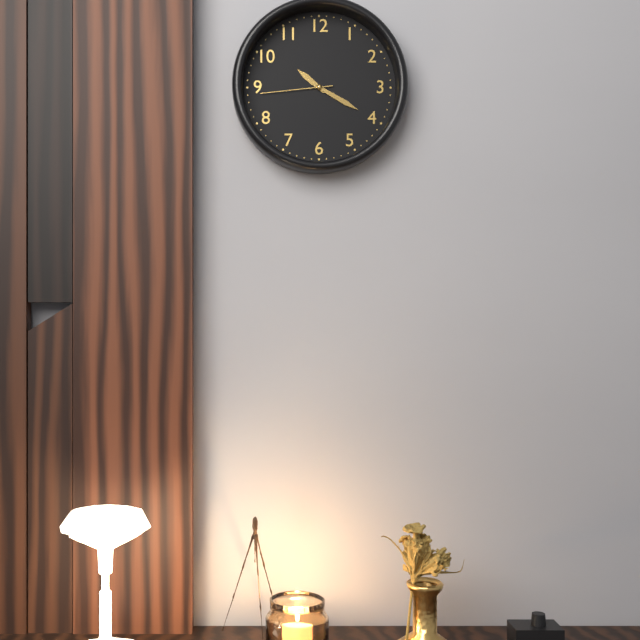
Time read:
10,20,44
